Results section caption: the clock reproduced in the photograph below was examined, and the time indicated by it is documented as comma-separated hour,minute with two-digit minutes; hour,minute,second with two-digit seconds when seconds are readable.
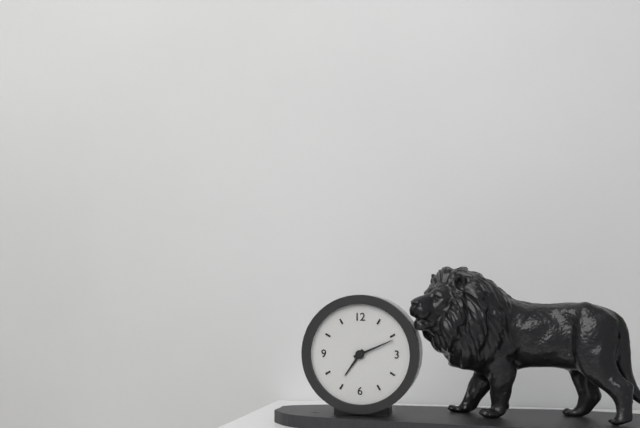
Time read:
7,11
